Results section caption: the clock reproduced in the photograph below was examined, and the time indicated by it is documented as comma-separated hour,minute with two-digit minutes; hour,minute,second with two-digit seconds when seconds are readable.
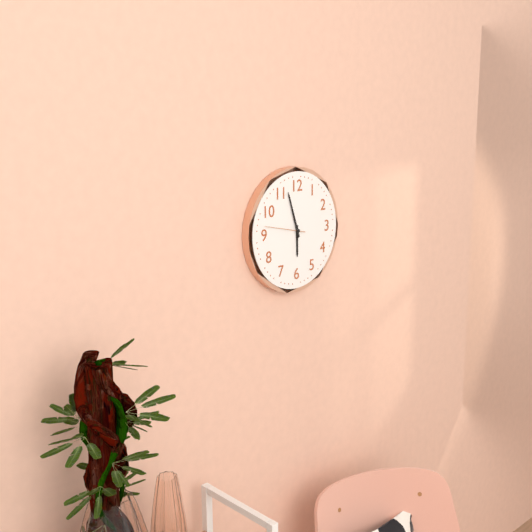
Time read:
5,57
